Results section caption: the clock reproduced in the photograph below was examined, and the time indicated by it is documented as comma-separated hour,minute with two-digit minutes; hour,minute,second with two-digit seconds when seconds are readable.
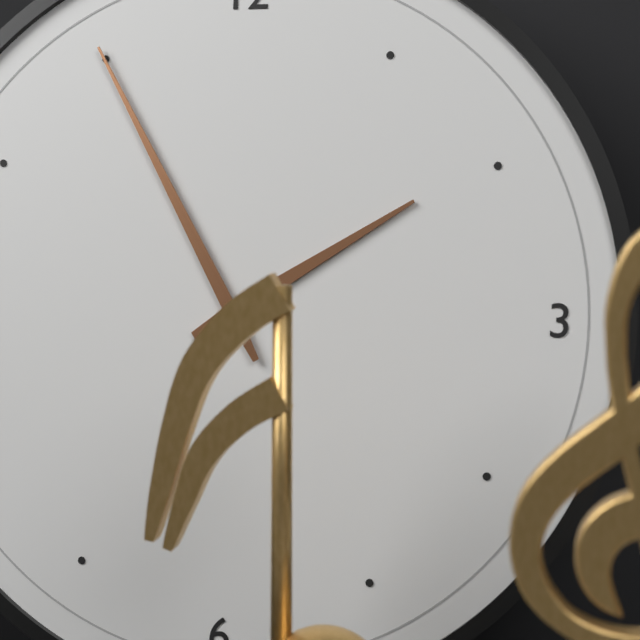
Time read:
1,55
